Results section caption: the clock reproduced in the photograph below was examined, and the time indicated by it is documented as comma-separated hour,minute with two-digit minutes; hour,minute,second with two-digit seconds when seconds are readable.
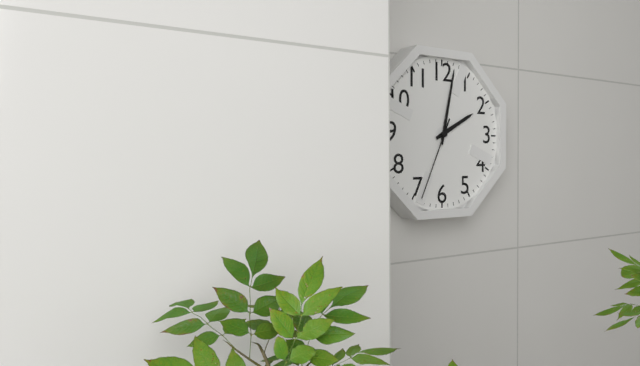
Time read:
2,02,34
